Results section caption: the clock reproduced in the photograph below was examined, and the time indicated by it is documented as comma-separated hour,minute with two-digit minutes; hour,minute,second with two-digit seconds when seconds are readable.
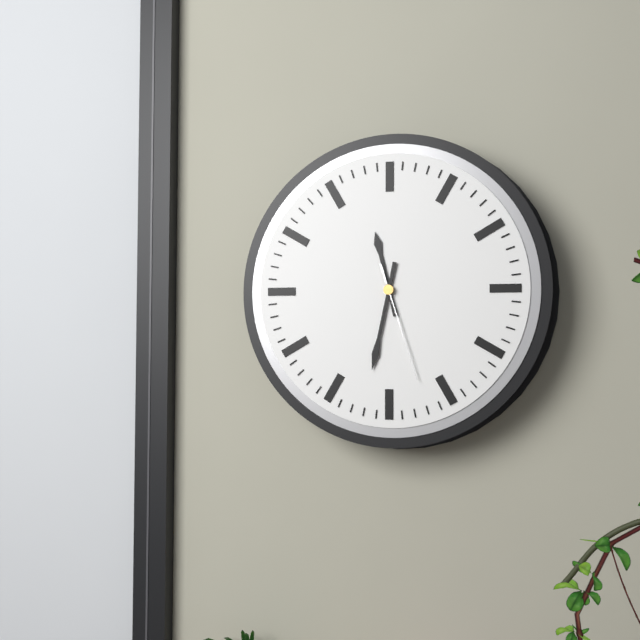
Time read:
11,32,27
